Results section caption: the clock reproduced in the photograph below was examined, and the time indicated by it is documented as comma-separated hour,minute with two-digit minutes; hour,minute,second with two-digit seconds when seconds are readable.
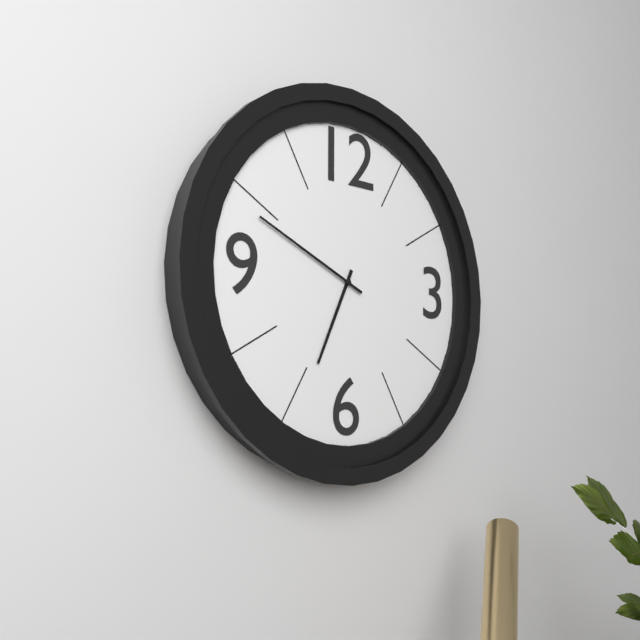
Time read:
6,49
